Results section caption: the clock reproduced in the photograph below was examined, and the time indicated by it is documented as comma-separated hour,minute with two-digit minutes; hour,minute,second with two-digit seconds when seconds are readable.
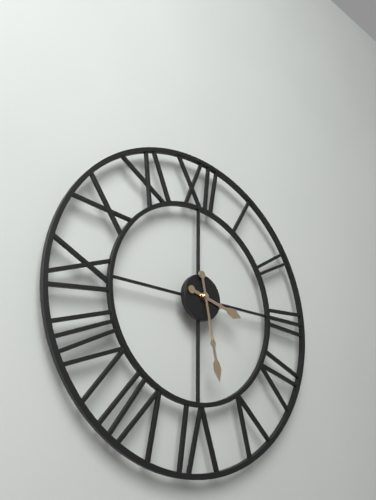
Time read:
3,28
